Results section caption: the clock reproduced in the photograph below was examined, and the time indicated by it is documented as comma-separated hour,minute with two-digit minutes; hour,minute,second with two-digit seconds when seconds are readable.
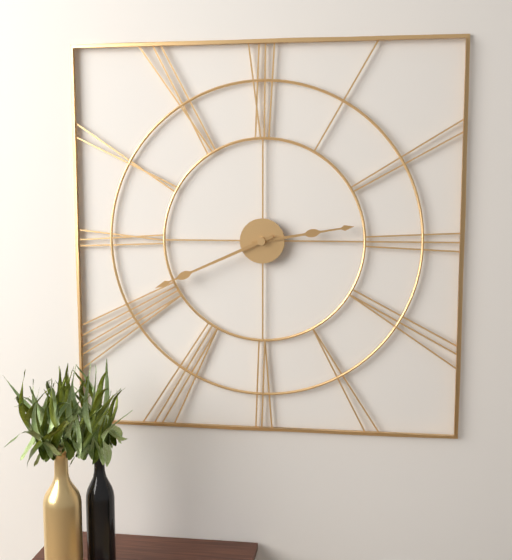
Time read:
2,41
